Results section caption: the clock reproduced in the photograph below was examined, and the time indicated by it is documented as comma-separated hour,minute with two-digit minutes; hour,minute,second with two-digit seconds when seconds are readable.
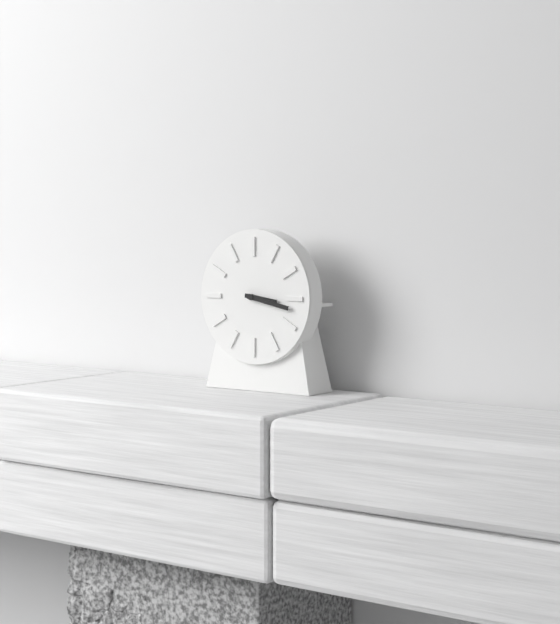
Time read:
3,17
